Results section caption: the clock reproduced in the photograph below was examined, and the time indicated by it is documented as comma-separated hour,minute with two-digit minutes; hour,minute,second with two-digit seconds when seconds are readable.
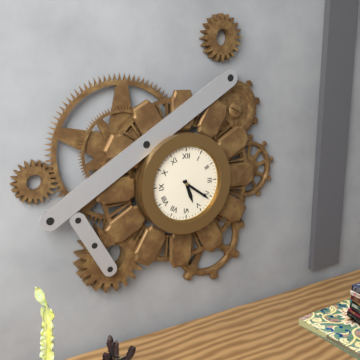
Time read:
5,21
